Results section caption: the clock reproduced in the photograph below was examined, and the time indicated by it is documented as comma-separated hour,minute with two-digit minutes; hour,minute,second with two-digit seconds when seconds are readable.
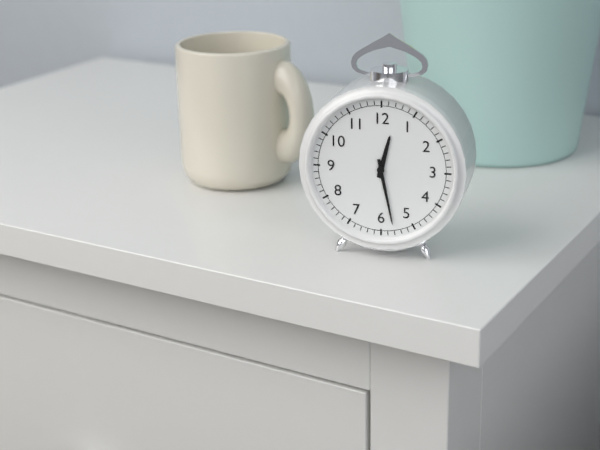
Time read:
12,28
